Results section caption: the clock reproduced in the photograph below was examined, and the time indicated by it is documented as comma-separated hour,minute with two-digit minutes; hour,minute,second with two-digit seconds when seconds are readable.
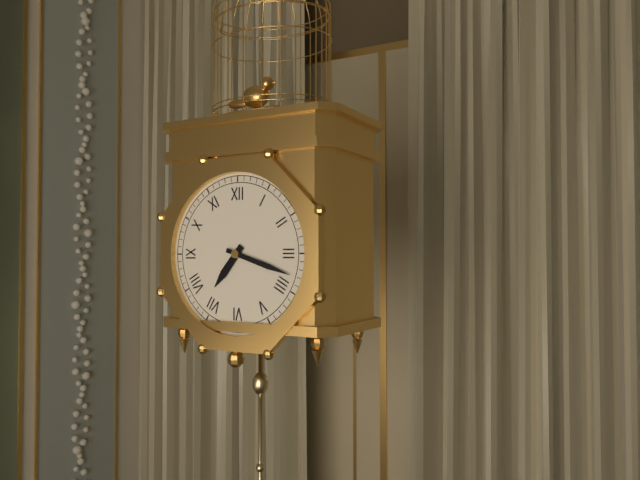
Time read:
7,18
